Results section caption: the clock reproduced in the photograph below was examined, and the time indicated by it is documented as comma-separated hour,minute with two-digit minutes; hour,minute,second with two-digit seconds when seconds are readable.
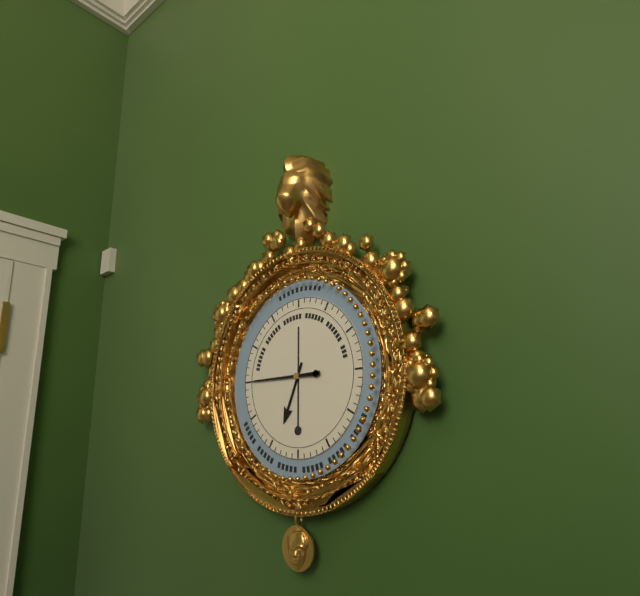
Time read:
6,45
